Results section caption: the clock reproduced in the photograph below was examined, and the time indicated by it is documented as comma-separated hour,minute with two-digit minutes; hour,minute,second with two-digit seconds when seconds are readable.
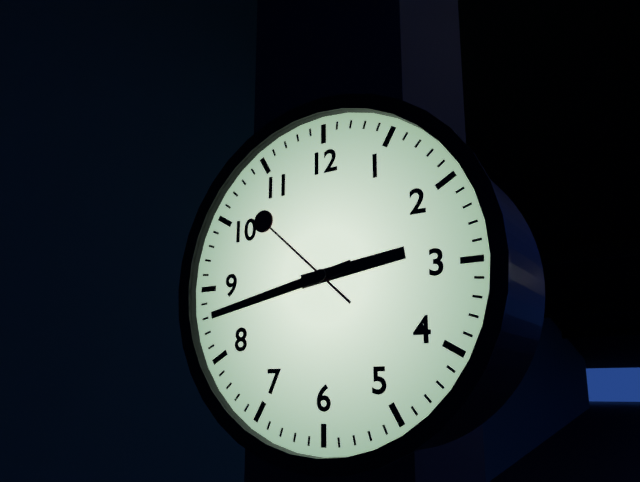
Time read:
2,43,52
